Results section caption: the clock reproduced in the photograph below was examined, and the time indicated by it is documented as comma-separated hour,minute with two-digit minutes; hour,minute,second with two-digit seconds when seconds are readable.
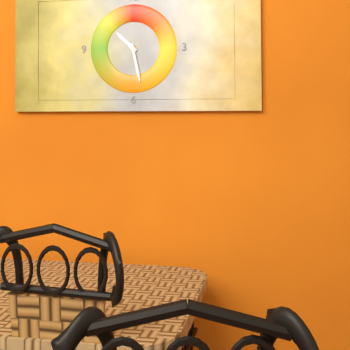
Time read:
10,28
